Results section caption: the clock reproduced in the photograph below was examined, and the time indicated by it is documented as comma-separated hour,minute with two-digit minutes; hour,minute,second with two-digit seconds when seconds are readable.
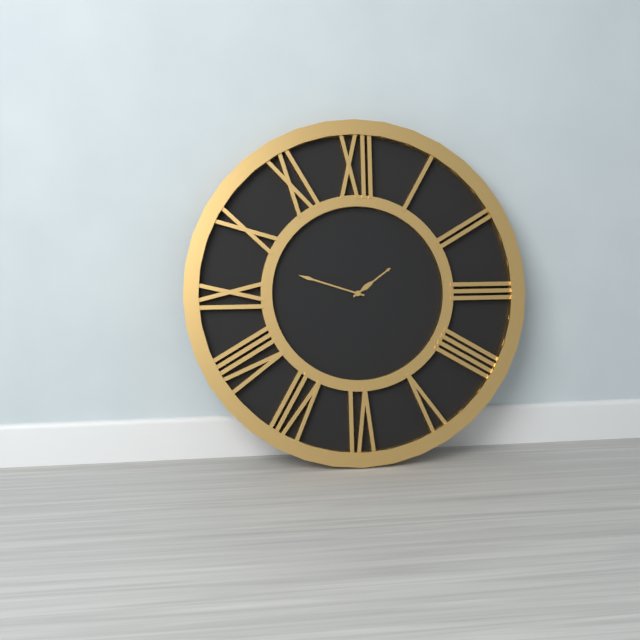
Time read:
1,48
